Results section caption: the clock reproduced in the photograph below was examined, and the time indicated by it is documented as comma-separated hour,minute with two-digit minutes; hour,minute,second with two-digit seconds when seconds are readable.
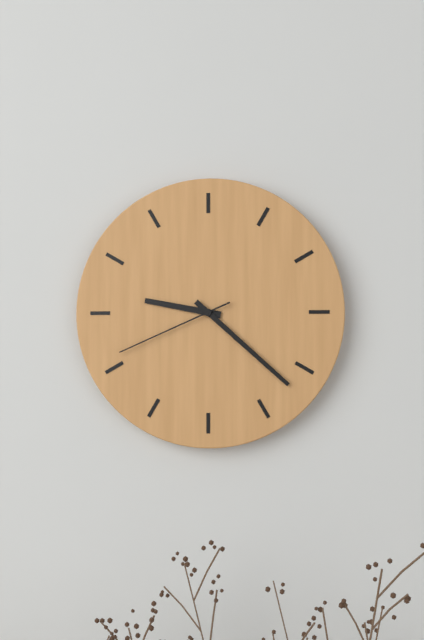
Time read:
9,22,41
